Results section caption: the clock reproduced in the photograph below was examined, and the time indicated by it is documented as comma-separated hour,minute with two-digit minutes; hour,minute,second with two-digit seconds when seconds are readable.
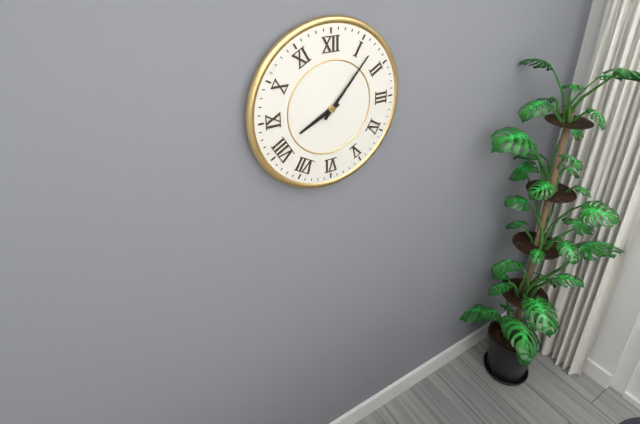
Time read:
8,07
